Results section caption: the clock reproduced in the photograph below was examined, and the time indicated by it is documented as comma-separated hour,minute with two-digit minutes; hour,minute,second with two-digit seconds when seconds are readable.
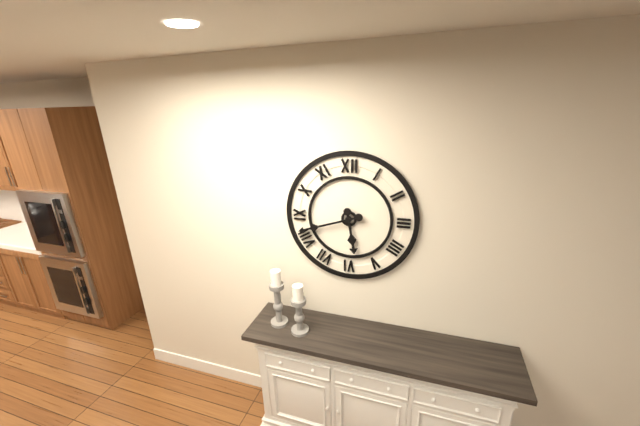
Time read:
5,42
